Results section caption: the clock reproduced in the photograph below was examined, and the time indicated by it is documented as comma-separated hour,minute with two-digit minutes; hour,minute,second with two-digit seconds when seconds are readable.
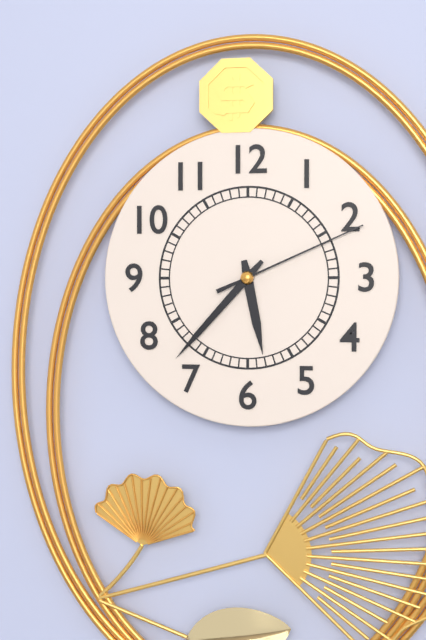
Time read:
5,37,11
